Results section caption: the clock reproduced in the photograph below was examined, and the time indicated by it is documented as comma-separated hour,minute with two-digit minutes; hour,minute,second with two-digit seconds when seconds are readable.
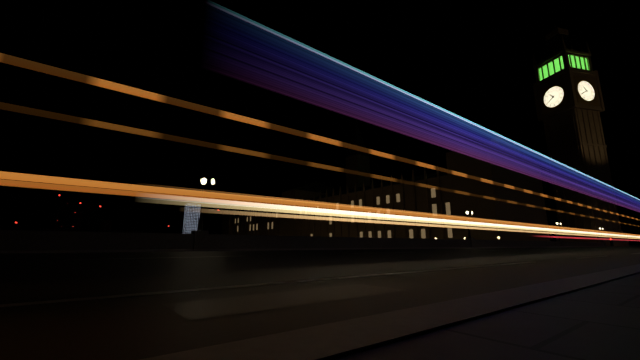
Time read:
10,40
